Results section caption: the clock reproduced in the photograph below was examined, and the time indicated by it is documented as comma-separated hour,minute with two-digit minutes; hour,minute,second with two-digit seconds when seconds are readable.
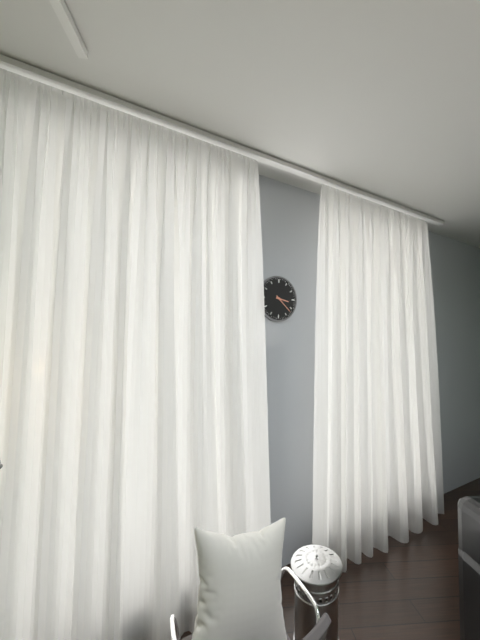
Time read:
3,22
